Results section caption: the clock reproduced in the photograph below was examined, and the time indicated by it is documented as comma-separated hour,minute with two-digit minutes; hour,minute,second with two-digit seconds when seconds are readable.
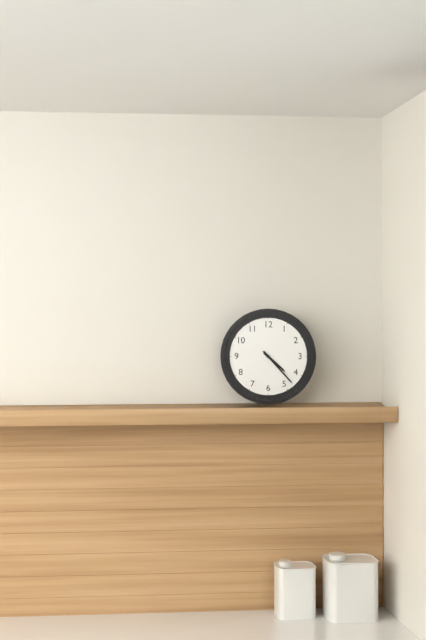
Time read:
4,23
